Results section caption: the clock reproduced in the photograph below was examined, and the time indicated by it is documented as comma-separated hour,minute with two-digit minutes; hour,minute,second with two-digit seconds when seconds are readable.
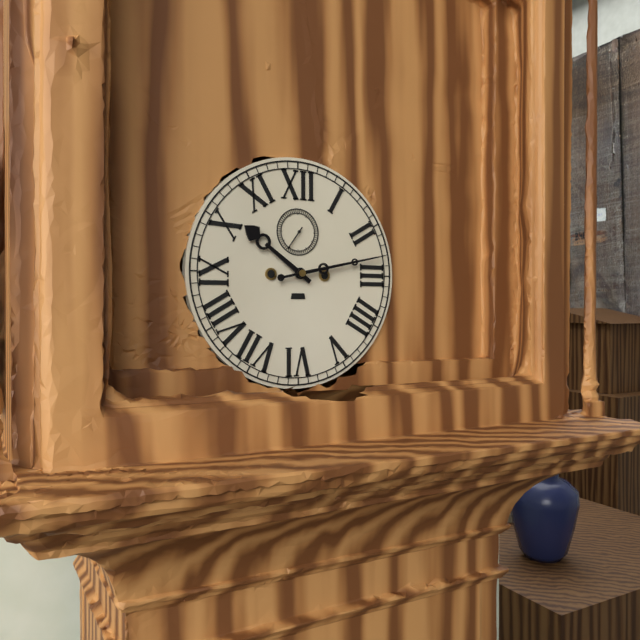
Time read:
10,13
